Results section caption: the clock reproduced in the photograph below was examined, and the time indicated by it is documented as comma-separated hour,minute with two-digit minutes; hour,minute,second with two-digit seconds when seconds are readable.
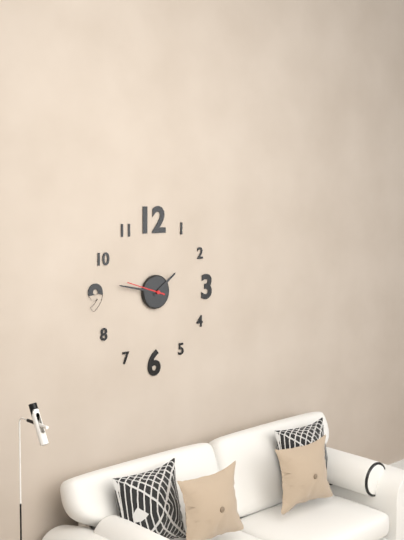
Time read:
1,47
